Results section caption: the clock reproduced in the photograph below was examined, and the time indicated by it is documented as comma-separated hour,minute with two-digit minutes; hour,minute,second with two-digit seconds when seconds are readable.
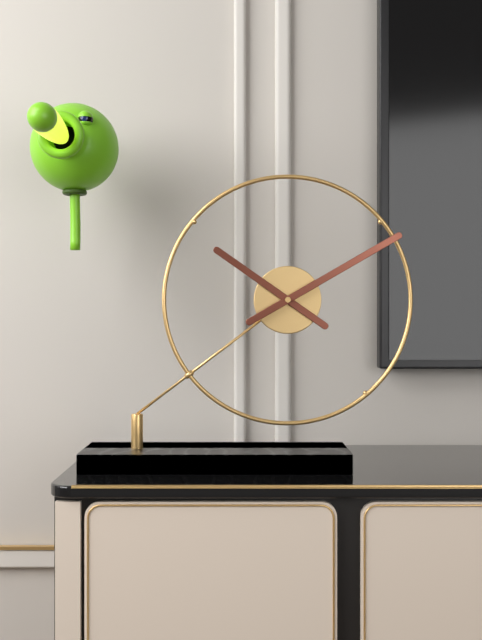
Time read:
10,10
